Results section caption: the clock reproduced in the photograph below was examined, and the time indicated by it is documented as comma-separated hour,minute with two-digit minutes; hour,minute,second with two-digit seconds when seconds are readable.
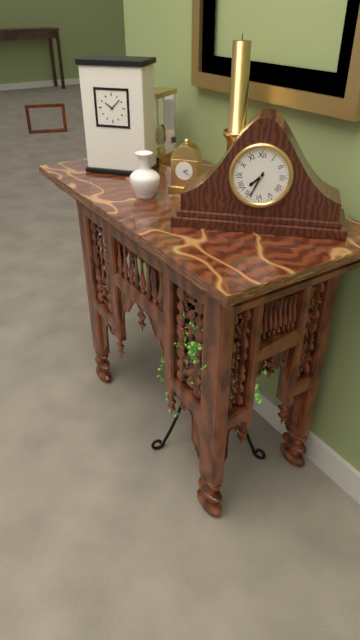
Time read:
7,34
